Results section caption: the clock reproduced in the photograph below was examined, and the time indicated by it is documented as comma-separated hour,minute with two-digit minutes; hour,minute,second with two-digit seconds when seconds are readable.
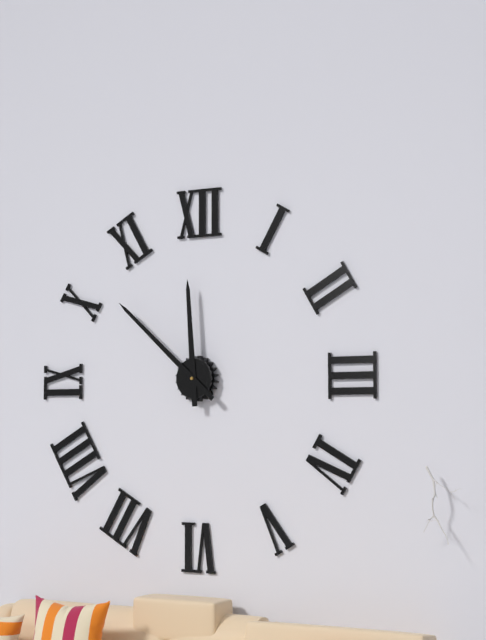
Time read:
11,52
